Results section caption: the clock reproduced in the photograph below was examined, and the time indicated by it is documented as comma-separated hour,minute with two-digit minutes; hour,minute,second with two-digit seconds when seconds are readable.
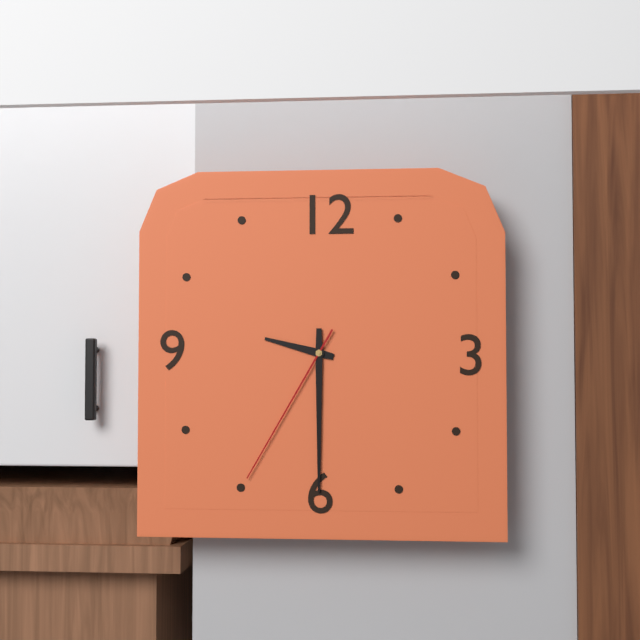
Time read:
9,30,35
